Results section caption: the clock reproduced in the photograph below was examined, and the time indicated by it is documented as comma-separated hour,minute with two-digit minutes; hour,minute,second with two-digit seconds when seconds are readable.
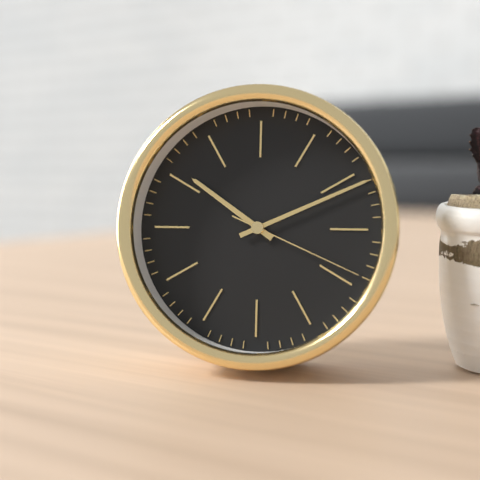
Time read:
10,11,19
